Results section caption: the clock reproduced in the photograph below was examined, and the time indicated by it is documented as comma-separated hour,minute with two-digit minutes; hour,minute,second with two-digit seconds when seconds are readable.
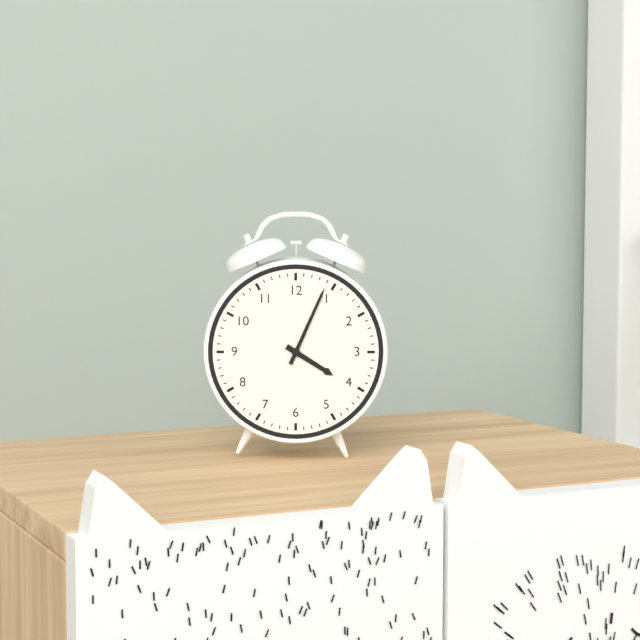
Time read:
4,04
